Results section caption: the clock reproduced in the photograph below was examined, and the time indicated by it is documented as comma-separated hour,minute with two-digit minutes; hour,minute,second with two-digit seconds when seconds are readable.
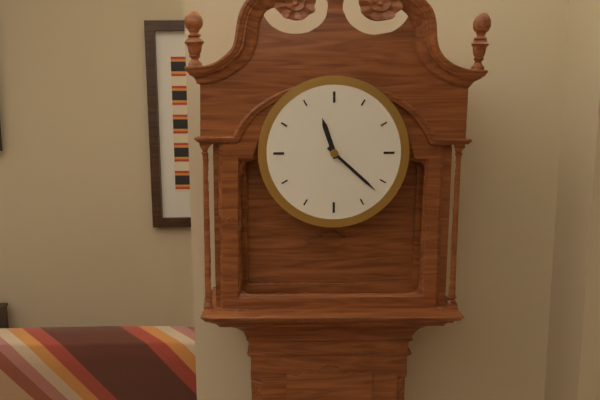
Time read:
11,22
